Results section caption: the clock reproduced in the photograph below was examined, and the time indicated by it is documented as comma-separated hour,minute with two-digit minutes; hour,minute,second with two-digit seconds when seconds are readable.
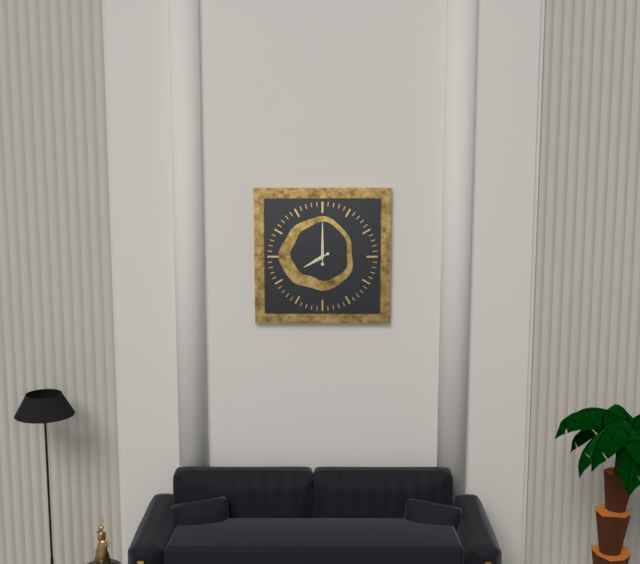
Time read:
8,00
